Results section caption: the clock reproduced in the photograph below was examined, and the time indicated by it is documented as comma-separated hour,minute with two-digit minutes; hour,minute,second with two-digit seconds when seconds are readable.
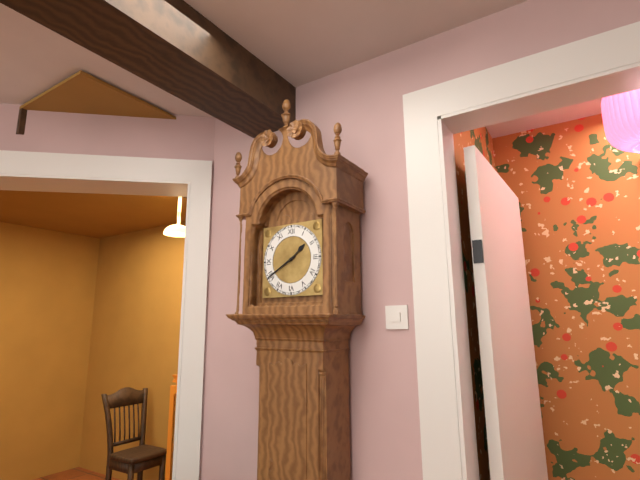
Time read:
1,40
